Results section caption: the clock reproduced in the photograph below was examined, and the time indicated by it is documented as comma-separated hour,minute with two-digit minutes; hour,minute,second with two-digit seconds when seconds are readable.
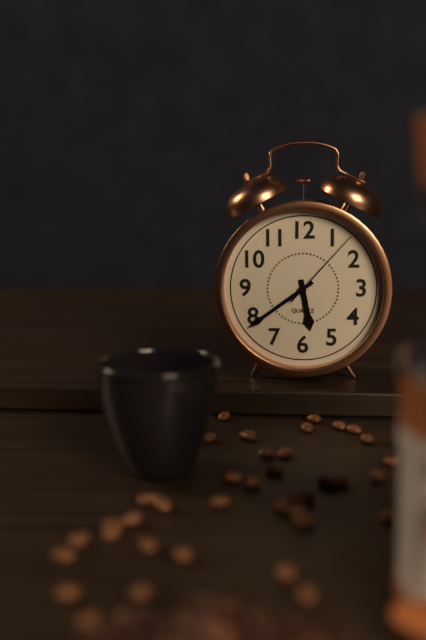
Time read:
5,39,07
